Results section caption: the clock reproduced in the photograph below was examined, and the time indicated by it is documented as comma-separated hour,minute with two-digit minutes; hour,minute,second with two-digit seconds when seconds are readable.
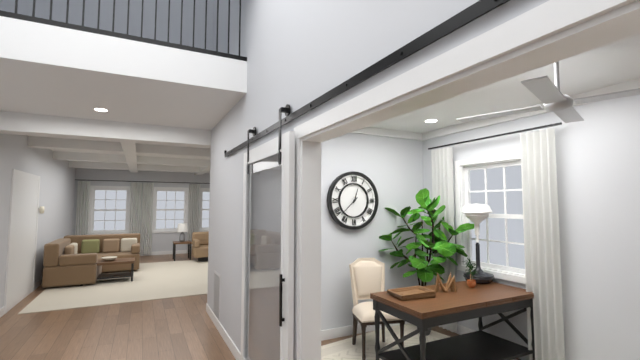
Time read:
12,38
